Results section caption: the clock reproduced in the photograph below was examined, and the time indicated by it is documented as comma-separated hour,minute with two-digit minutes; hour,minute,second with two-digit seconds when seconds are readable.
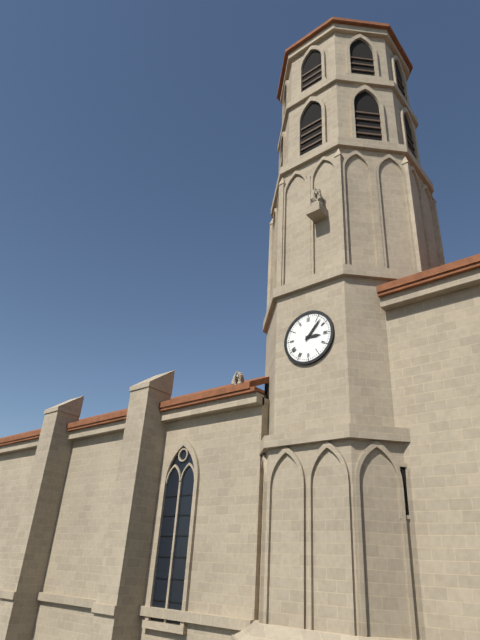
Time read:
3,07
